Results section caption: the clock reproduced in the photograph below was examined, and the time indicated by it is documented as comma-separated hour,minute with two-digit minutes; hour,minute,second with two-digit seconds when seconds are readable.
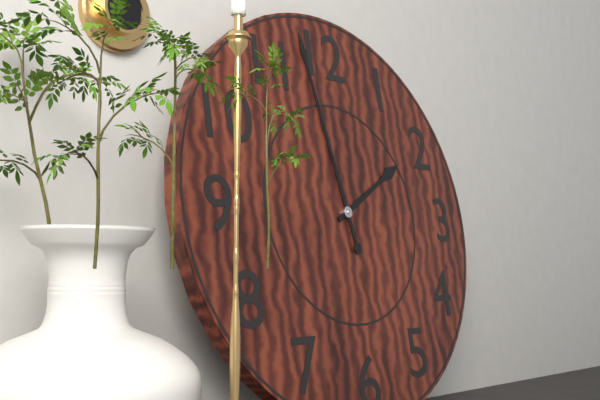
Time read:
1,58
